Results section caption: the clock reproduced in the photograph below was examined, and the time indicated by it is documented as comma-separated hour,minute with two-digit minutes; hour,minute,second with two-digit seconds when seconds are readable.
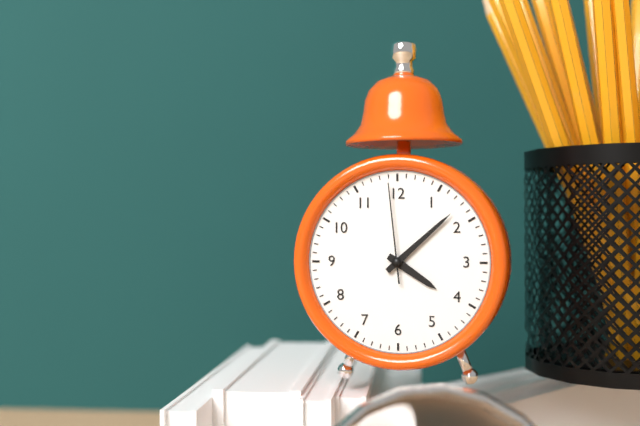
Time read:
4,08,59
